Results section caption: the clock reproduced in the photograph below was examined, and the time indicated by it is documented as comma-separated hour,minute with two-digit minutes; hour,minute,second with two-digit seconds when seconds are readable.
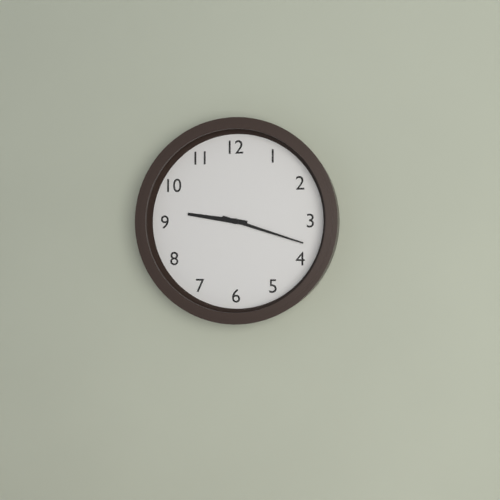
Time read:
9,18
